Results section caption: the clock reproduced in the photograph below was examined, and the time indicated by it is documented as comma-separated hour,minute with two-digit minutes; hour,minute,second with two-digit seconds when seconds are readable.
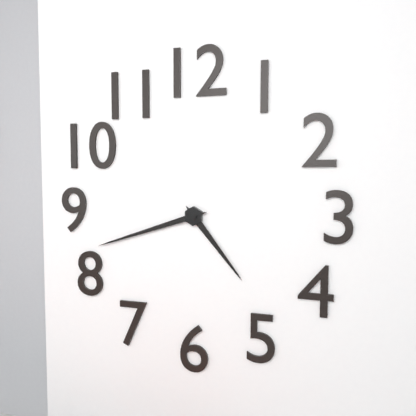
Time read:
4,42
